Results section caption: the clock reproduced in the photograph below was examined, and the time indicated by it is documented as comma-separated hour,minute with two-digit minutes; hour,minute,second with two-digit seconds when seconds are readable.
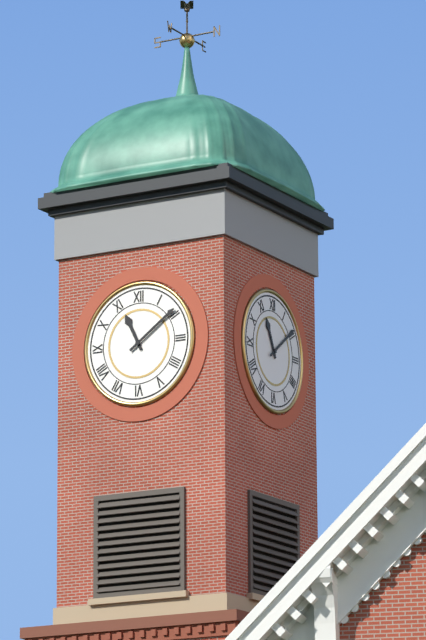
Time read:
11,09
